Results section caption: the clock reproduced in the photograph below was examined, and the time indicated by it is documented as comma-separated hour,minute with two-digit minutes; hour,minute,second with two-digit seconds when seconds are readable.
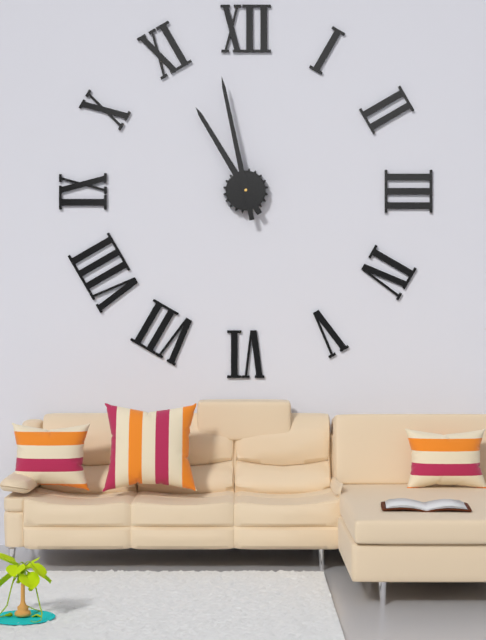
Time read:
10,58
